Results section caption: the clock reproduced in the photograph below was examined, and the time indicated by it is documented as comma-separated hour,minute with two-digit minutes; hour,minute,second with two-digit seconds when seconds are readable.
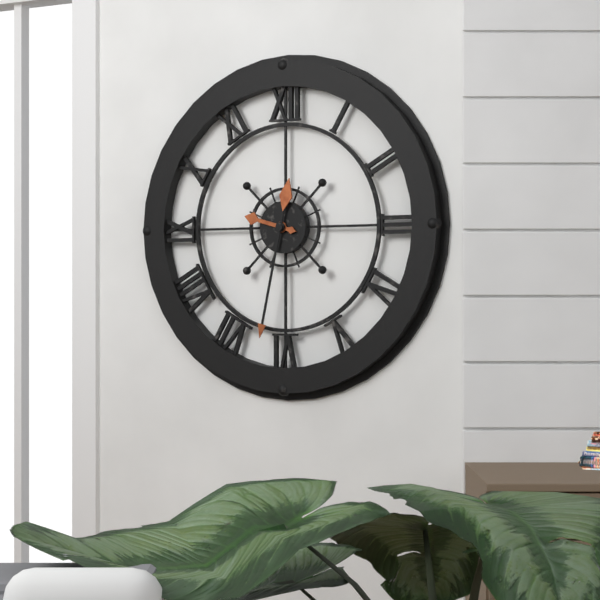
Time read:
9,32
